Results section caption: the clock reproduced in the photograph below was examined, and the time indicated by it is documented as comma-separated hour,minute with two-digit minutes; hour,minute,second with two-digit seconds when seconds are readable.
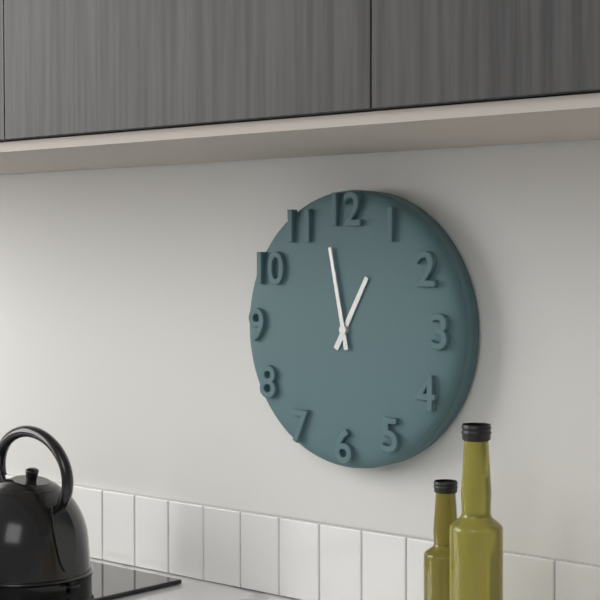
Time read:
12,58
